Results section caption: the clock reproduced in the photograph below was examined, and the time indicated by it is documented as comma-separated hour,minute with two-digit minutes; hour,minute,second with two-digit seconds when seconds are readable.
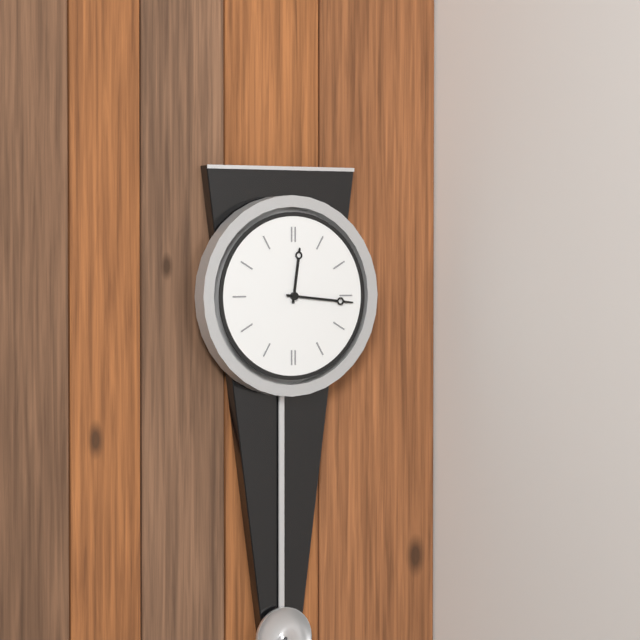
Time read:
12,16
